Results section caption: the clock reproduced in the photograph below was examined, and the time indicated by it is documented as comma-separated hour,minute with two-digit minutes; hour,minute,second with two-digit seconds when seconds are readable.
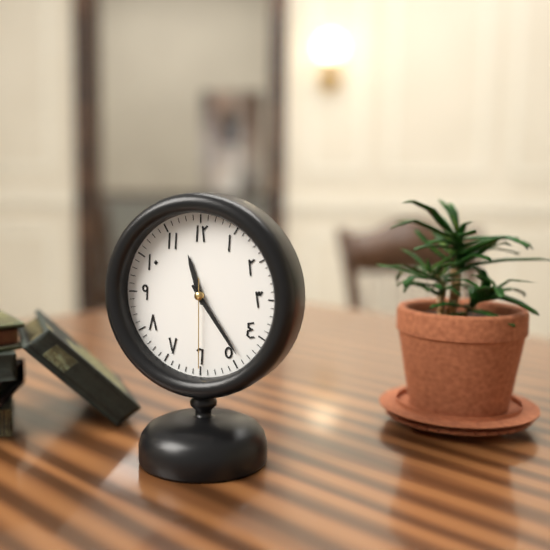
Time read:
11,24,30
